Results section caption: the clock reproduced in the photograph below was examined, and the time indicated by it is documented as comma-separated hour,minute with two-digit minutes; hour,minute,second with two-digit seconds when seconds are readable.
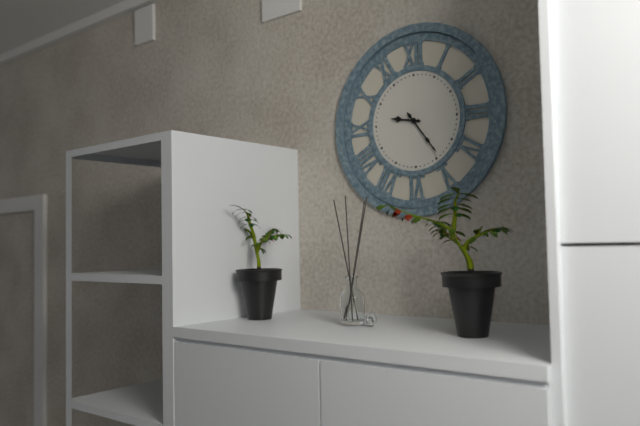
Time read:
9,24
